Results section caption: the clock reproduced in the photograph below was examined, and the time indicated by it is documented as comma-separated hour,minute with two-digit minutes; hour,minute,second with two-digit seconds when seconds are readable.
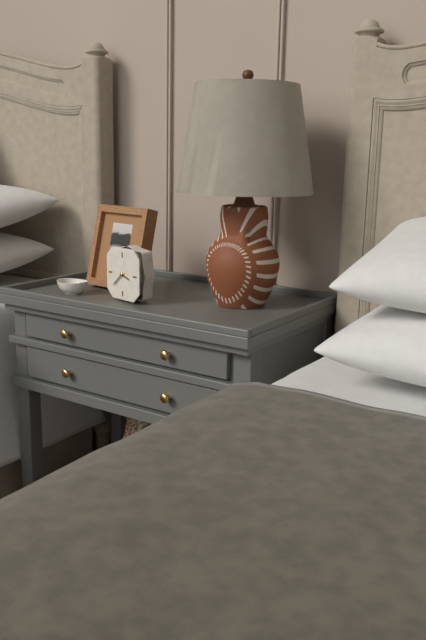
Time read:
3,38
